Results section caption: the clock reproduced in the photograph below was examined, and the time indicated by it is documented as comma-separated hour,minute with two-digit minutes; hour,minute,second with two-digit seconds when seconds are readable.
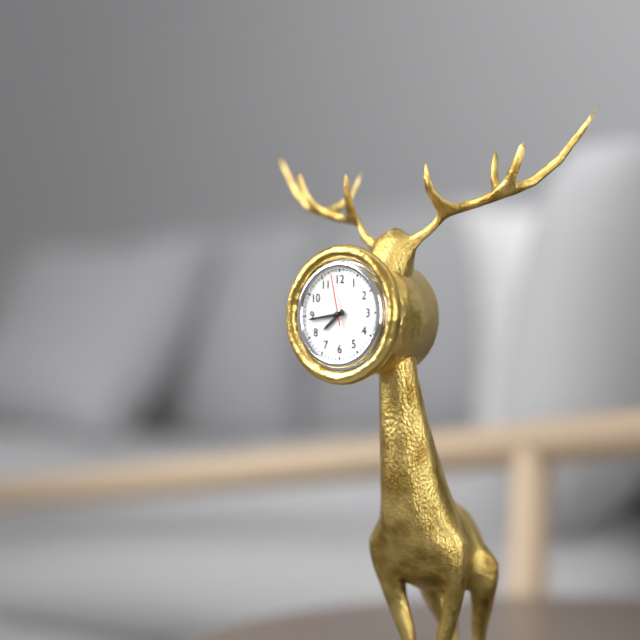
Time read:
7,44,58
